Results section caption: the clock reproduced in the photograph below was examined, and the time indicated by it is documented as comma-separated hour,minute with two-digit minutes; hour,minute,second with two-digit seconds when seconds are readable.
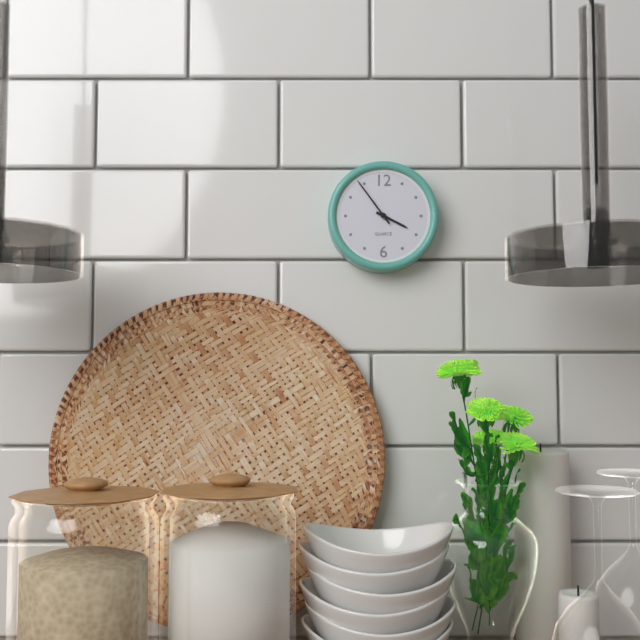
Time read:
3,54
